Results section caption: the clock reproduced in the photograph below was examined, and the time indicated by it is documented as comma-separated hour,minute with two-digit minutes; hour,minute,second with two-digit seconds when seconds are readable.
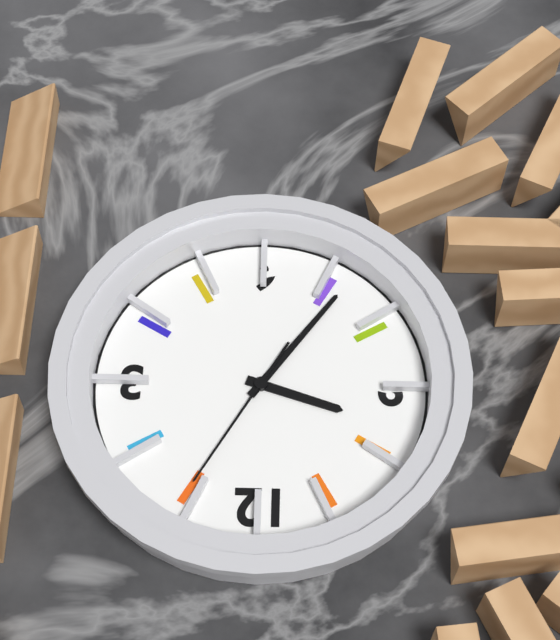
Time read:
9,36,05
